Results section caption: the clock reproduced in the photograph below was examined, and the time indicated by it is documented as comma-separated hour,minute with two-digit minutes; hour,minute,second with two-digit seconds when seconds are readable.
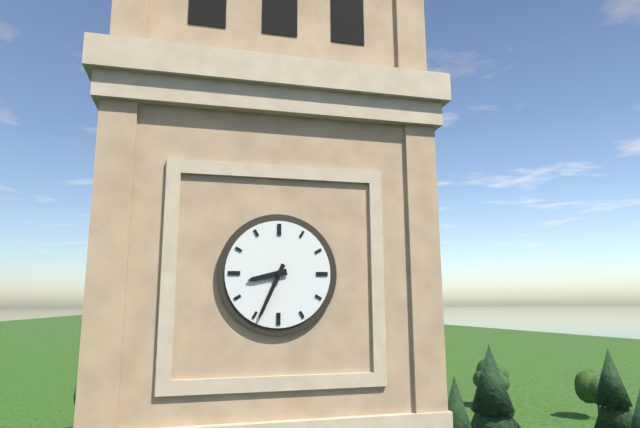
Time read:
8,34
